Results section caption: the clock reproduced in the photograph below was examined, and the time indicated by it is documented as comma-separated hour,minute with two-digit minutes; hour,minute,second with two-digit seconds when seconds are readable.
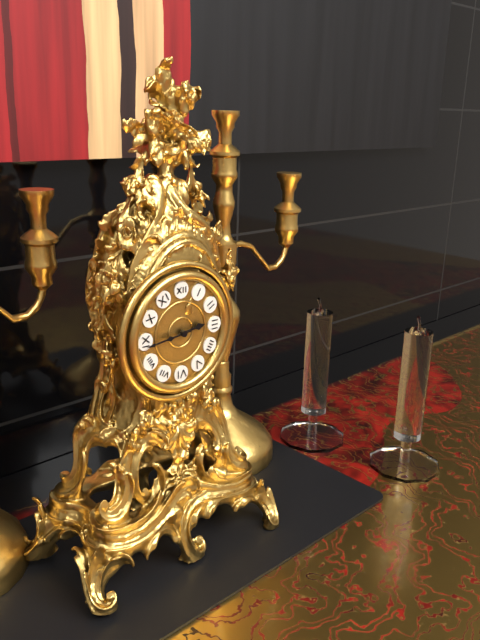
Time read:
2,44
